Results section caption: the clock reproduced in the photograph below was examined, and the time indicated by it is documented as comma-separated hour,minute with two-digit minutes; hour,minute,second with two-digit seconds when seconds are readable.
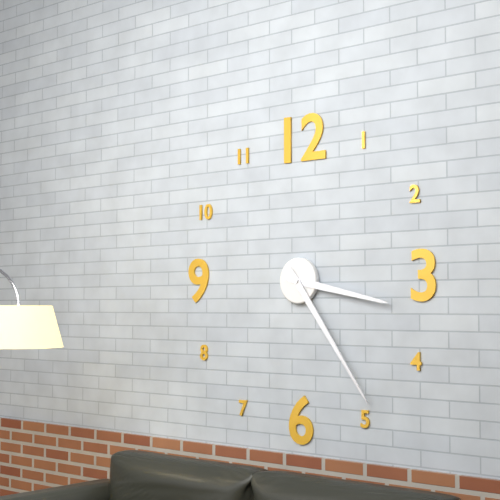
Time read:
3,24
